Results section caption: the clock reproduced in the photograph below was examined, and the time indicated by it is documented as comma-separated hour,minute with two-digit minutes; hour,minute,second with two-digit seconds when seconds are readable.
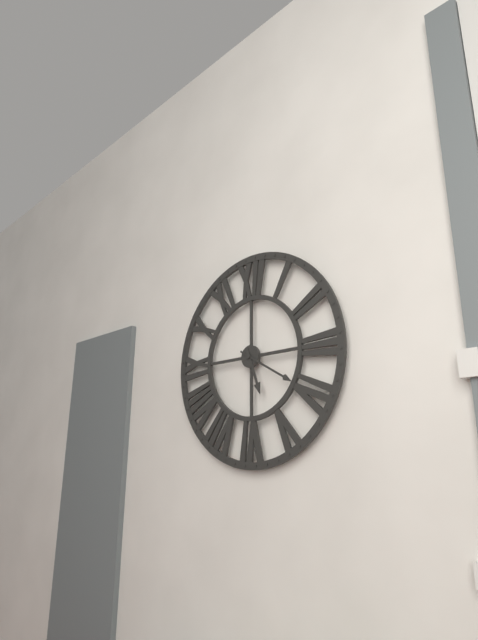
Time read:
5,20
